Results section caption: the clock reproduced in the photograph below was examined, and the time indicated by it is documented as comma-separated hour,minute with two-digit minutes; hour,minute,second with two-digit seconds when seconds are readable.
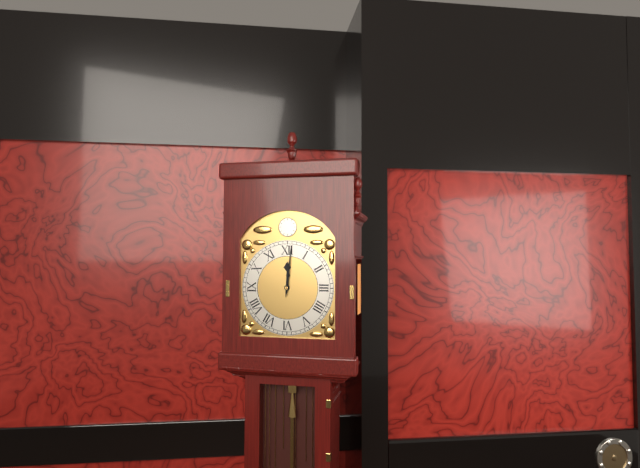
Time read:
12,01
